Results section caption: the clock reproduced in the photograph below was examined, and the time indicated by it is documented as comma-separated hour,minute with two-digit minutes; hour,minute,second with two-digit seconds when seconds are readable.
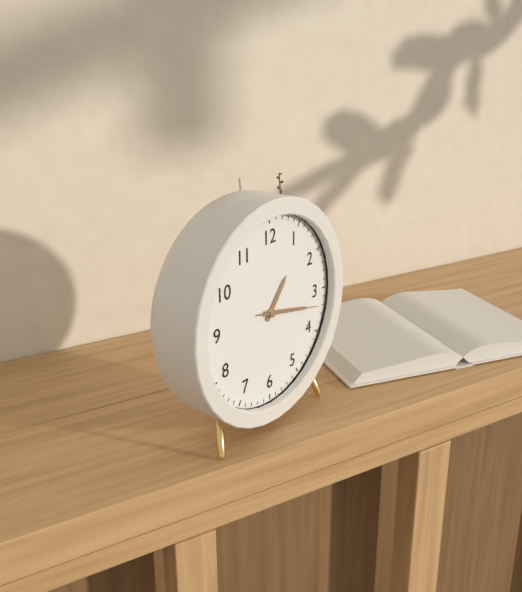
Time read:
1,17,17
